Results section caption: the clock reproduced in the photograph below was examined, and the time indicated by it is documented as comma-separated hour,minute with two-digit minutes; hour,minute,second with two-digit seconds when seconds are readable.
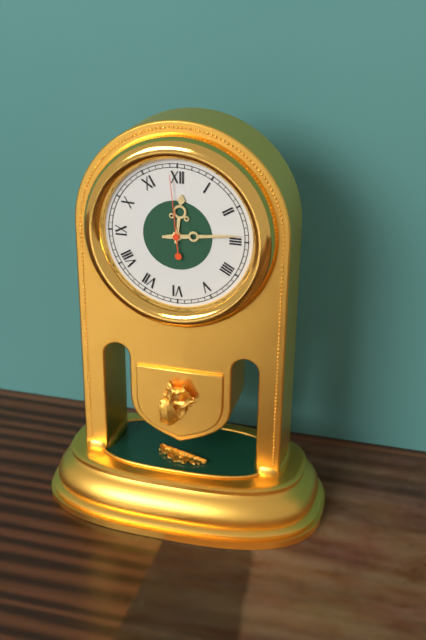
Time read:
12,14,59
